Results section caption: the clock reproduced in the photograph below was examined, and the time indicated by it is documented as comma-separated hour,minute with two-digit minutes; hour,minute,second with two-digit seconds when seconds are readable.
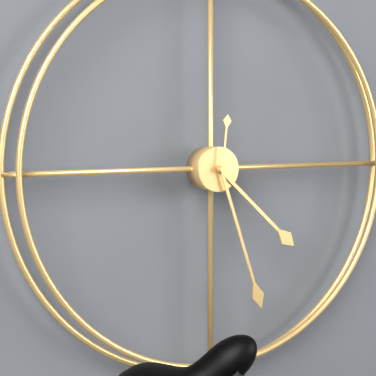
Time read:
4,27,01
